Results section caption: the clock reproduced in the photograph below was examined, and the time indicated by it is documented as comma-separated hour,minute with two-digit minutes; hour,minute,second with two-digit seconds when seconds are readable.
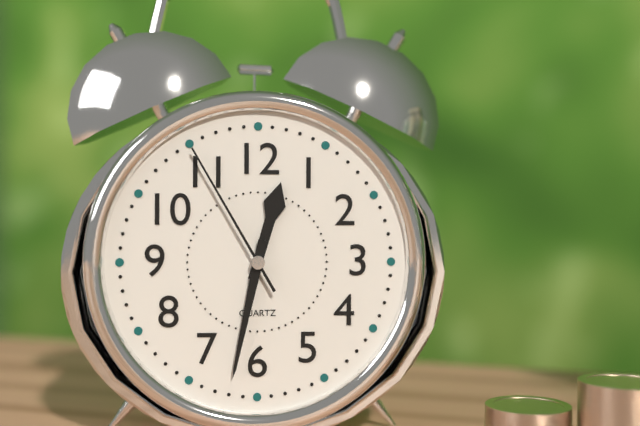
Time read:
12,32,55
